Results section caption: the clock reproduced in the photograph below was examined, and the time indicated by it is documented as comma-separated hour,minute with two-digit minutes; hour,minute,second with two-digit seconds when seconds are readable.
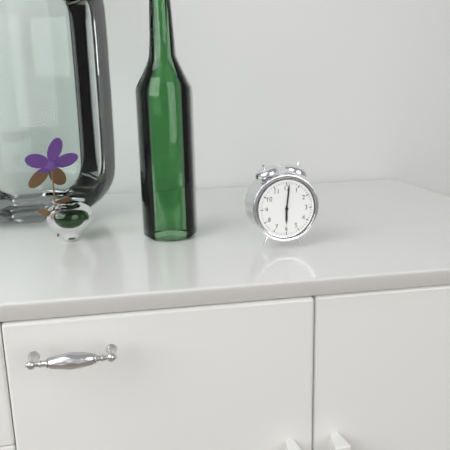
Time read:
6,01
